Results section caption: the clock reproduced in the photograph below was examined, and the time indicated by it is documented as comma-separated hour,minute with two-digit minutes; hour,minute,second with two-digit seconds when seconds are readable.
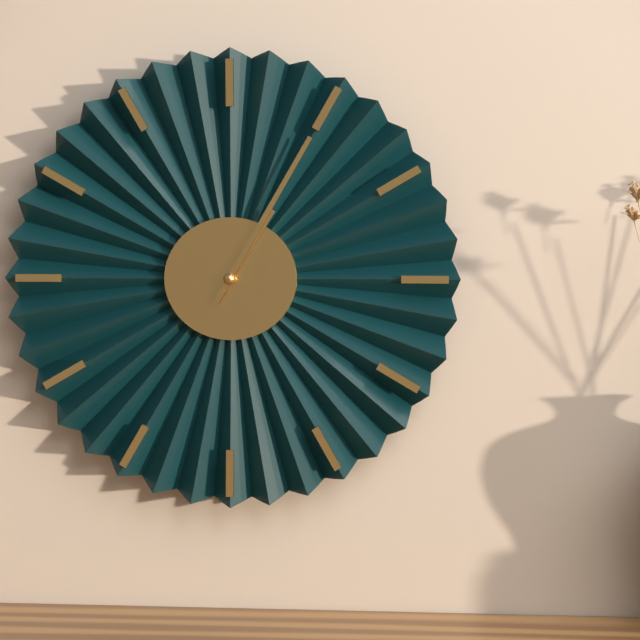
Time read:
1,05
